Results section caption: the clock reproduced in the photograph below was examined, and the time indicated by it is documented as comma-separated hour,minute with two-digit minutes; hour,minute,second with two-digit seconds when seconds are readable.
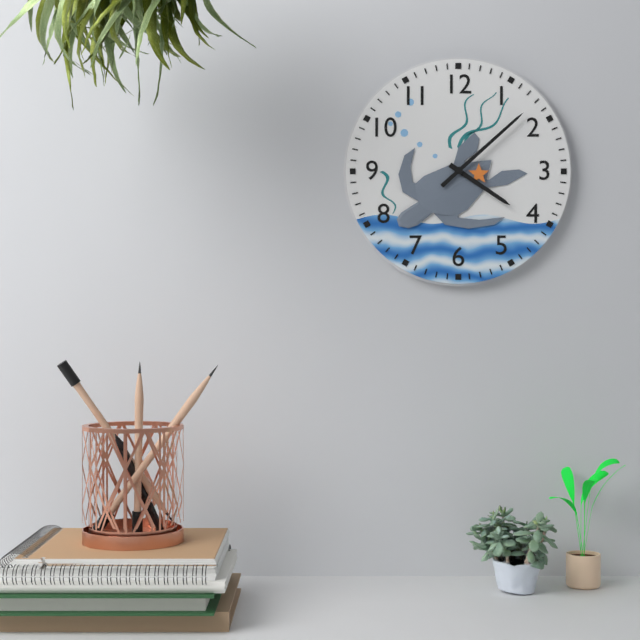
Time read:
4,08
